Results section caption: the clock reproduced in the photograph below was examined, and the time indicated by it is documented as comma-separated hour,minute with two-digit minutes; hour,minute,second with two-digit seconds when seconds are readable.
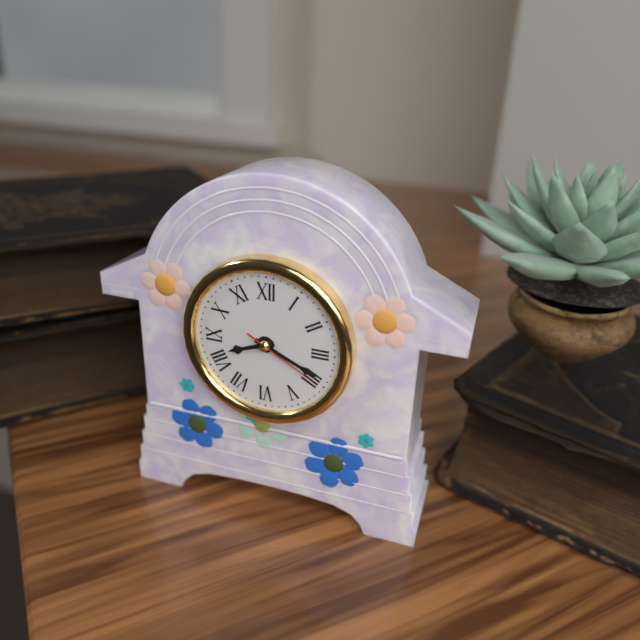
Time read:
8,19,20
